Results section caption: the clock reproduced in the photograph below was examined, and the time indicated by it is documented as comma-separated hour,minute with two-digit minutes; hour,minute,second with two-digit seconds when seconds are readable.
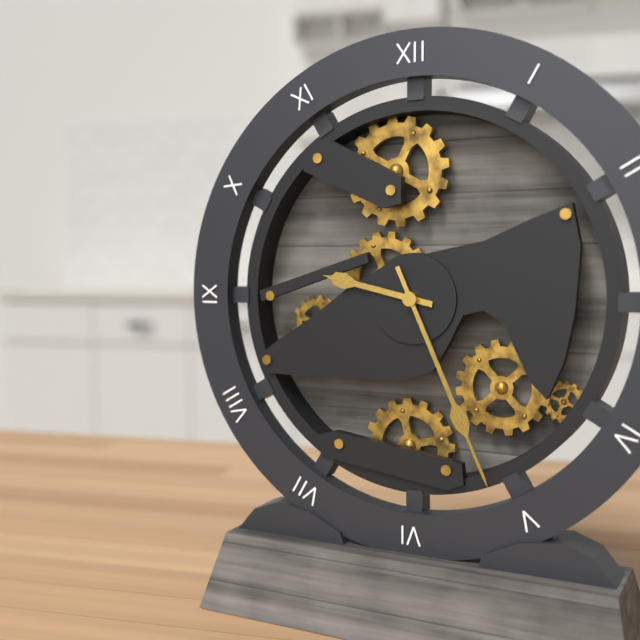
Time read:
9,26
